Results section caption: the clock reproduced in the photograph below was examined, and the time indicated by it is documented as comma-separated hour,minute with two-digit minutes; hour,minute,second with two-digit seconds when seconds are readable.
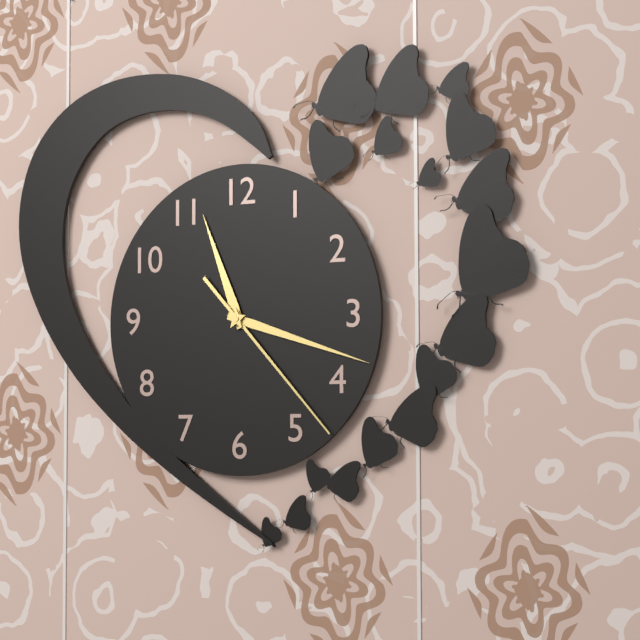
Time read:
11,18,23
